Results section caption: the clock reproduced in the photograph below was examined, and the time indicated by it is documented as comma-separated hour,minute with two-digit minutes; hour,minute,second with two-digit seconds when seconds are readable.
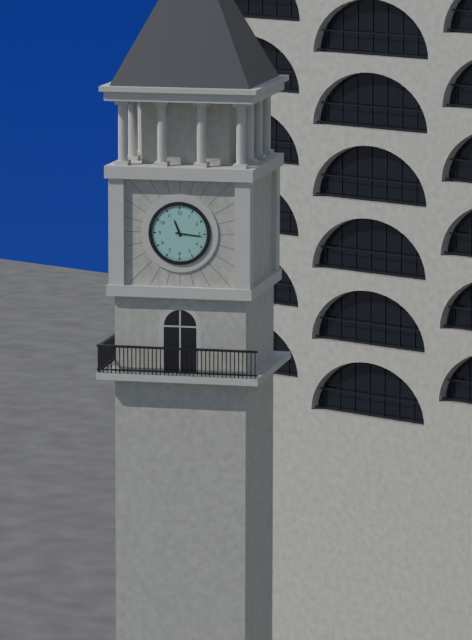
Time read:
11,16
